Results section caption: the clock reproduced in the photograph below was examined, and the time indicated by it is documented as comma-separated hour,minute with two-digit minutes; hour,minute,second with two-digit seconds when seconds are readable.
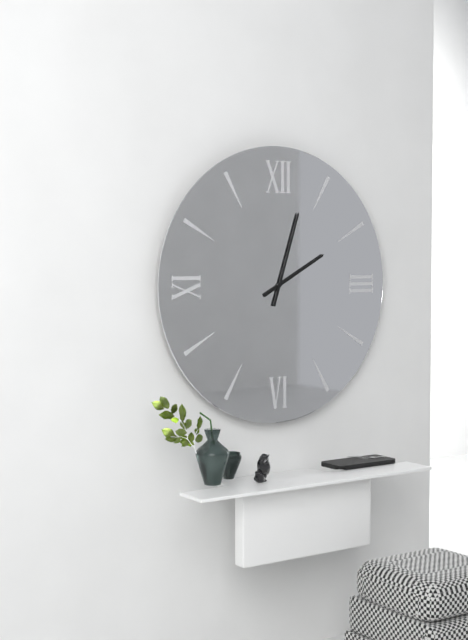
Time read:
2,03
